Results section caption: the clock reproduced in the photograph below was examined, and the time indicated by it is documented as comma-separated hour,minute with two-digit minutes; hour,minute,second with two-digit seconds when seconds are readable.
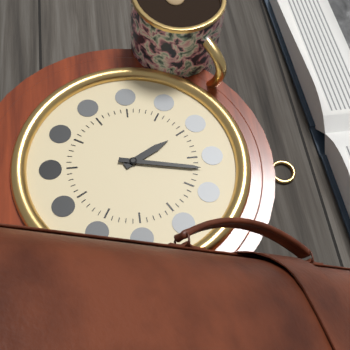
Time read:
11,02
